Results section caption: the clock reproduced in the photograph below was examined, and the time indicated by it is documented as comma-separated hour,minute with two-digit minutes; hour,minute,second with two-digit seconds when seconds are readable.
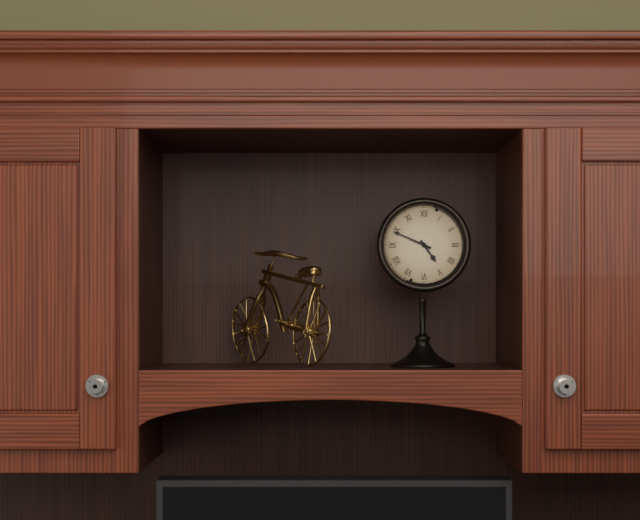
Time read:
4,49
